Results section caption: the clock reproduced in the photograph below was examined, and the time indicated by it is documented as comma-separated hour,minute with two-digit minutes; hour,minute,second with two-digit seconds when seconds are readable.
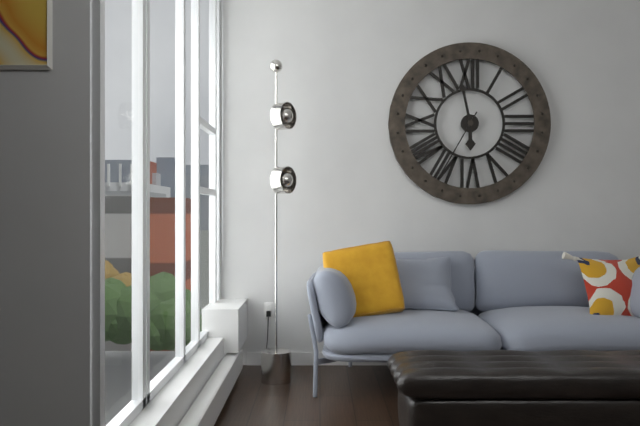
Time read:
5,58,35
